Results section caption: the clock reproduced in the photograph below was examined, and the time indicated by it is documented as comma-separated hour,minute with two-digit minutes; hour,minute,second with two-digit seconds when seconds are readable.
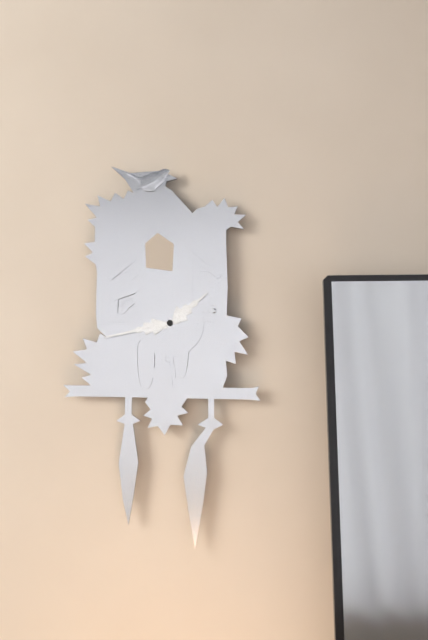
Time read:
1,43
